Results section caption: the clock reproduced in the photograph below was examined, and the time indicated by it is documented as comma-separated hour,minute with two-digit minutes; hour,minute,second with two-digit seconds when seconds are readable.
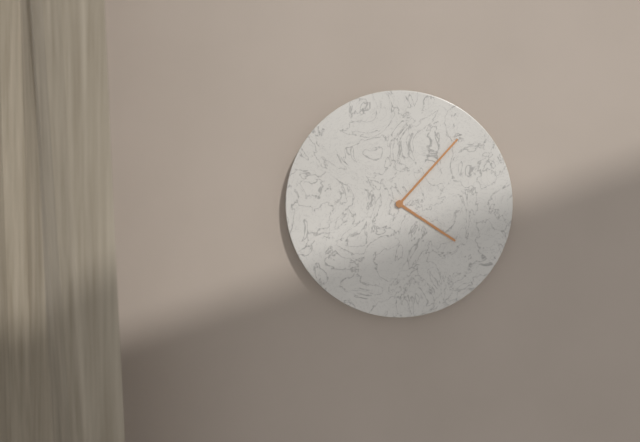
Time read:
4,07
